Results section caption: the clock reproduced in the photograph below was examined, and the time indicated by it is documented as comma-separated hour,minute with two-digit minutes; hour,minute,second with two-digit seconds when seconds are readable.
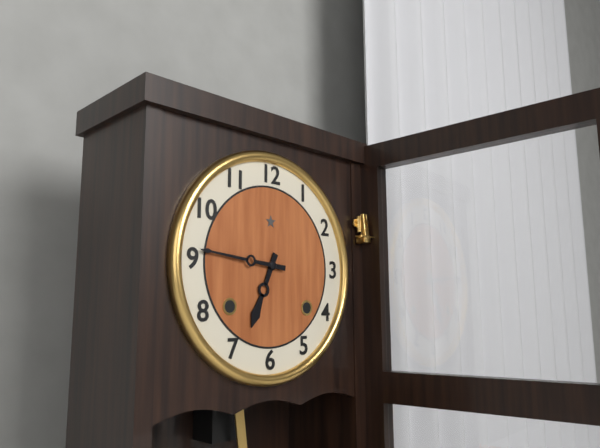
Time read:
6,46
